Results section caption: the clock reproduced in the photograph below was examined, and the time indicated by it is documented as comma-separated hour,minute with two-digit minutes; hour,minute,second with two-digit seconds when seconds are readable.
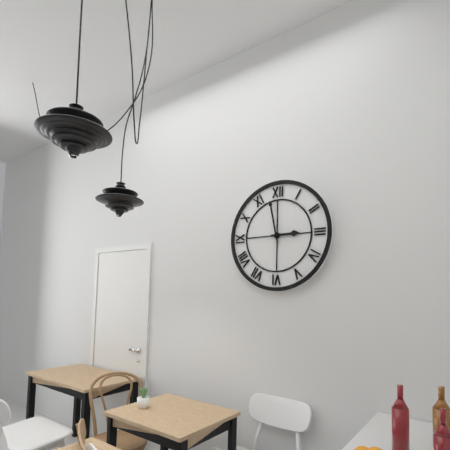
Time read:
2,58
